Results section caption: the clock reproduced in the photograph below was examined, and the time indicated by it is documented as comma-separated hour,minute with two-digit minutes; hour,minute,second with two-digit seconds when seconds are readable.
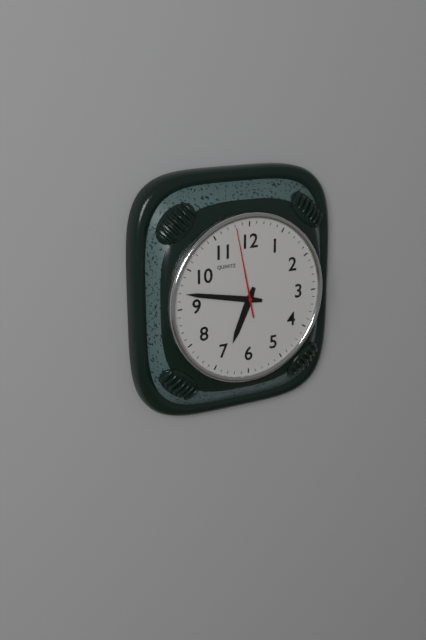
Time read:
6,47,58
